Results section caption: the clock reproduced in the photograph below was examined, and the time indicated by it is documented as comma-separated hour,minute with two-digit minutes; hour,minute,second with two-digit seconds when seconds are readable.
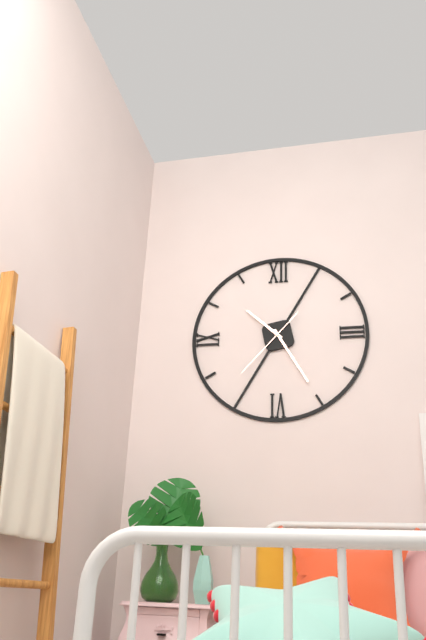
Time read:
10,25,37
